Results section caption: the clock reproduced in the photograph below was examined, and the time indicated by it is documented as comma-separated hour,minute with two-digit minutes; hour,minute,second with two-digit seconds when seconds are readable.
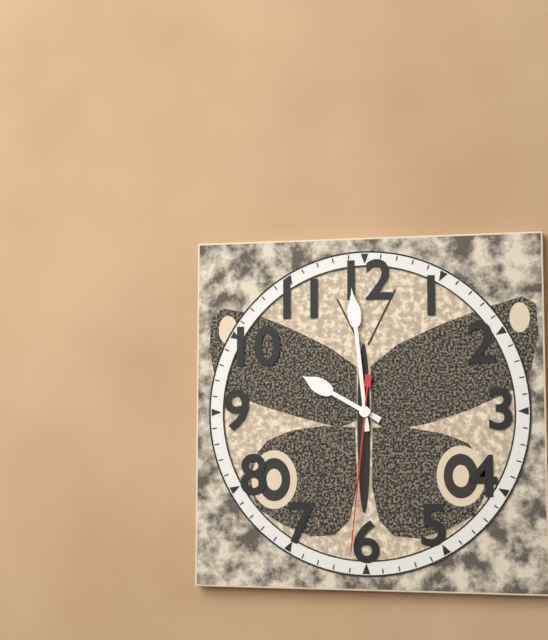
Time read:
9,59,31
